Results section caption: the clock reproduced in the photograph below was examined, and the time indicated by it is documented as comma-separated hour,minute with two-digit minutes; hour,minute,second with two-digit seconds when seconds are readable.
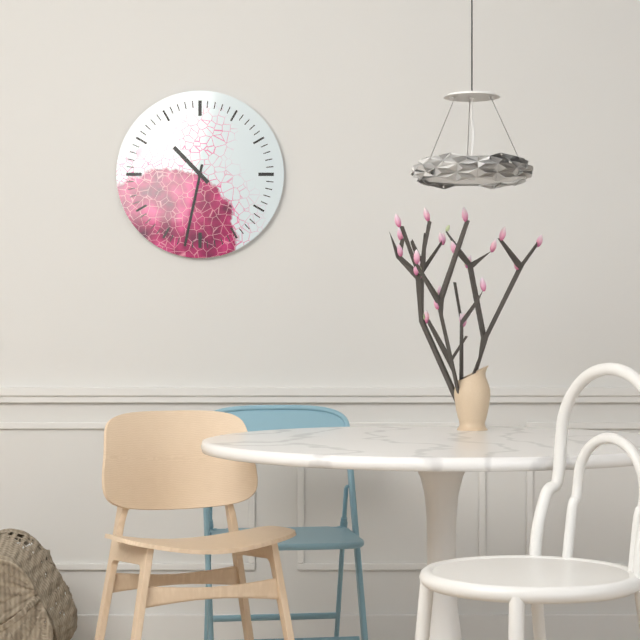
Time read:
10,32
